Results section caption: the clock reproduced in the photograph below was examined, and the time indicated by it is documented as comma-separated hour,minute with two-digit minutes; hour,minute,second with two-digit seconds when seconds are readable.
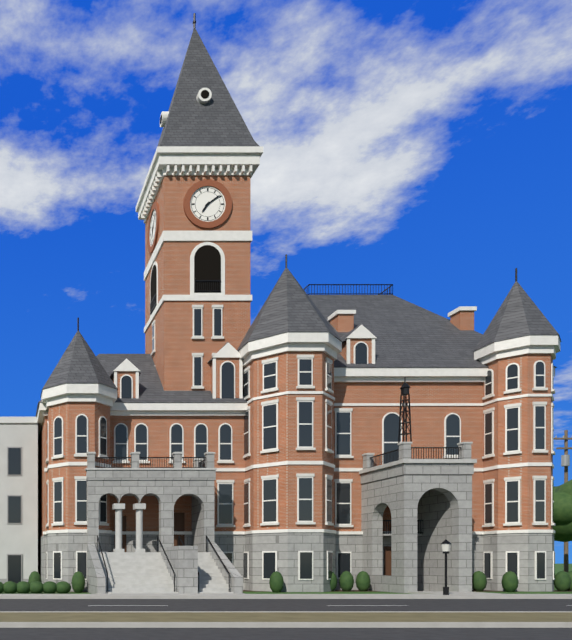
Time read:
7,09
